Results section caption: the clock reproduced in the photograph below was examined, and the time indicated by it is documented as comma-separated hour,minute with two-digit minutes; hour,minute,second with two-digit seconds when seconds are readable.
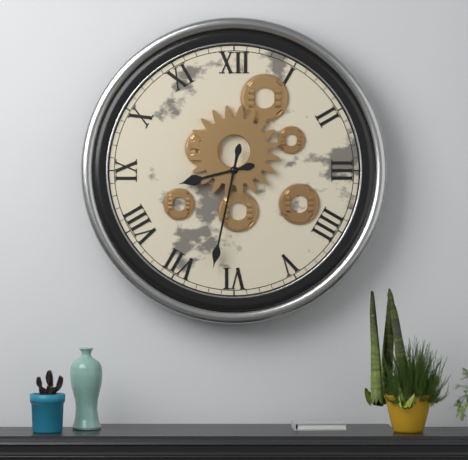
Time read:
8,32
